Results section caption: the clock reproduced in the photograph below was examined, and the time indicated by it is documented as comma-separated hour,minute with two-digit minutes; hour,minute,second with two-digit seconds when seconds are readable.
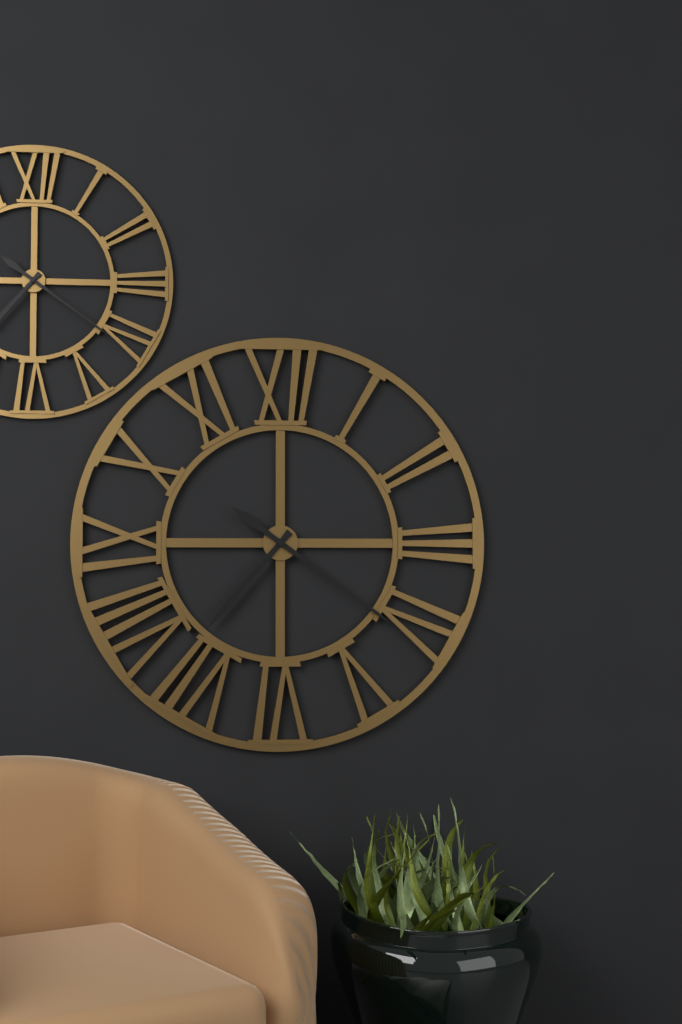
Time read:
7,21
